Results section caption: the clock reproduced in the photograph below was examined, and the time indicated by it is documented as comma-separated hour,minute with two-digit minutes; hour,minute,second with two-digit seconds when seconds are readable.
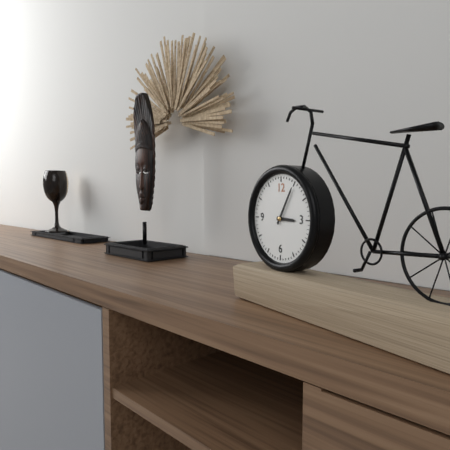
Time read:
3,05
